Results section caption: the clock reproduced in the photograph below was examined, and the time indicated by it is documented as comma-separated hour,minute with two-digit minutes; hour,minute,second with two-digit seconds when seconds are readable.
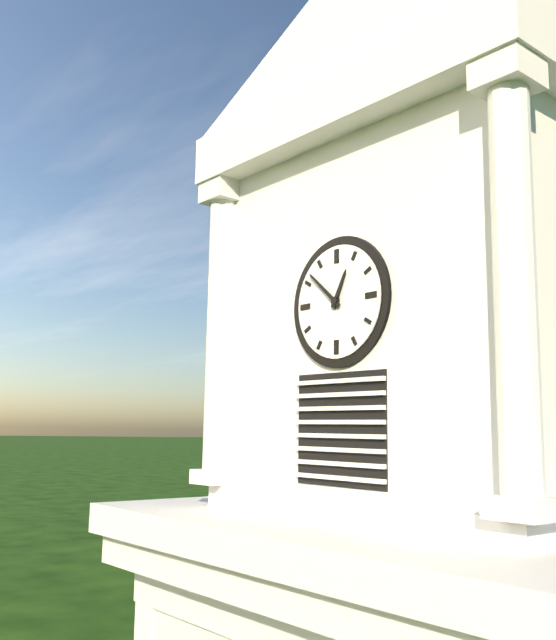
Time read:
12,52
